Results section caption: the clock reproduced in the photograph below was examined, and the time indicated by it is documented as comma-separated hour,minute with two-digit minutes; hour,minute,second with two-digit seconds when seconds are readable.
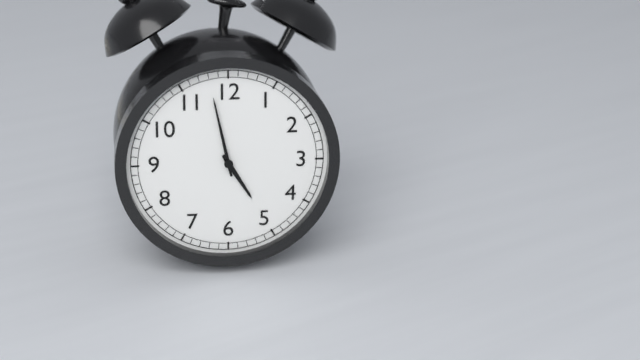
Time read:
4,58
